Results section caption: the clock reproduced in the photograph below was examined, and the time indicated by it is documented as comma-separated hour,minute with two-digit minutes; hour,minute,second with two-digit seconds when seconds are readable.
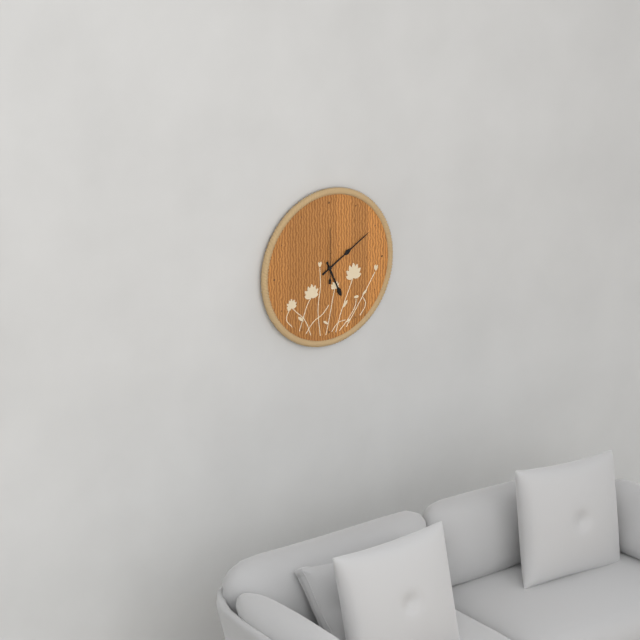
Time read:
5,10
